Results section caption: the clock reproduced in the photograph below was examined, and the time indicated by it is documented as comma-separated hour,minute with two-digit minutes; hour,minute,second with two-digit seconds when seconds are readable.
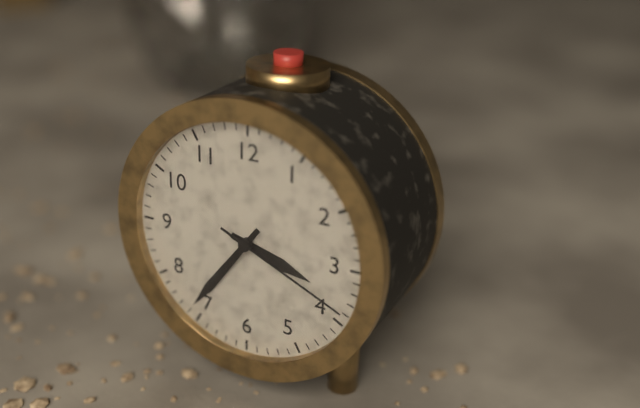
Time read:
3,36,19
